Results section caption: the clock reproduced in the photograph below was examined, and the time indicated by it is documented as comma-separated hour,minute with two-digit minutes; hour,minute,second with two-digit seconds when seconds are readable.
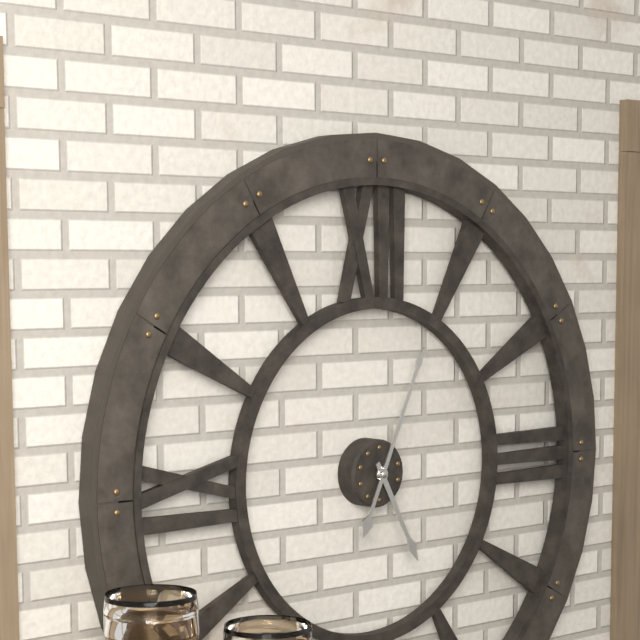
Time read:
5,04
